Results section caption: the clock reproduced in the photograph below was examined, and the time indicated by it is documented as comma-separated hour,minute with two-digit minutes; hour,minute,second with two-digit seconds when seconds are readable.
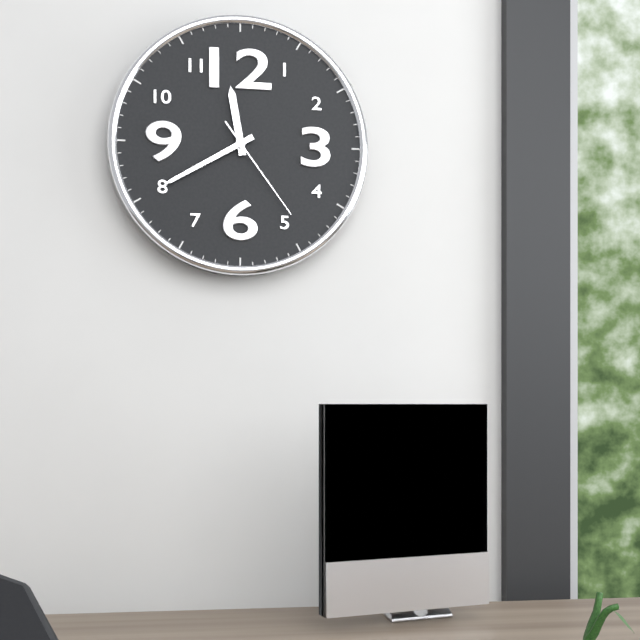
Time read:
11,40,24
